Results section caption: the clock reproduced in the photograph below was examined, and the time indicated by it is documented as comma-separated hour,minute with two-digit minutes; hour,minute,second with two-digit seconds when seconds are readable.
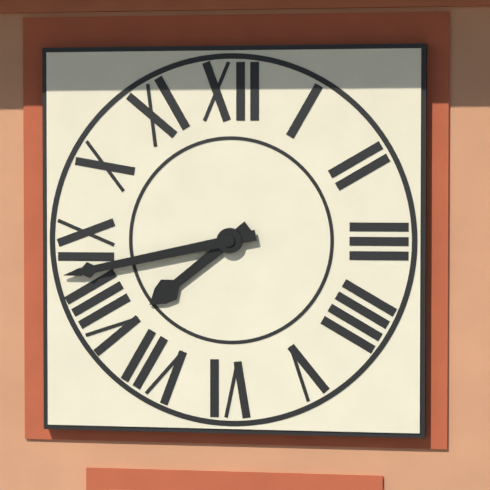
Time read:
7,43
